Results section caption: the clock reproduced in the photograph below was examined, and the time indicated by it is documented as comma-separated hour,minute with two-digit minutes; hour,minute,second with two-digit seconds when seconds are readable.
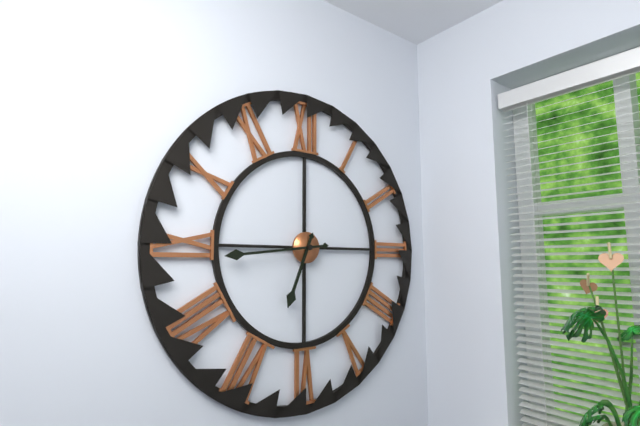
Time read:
6,44
